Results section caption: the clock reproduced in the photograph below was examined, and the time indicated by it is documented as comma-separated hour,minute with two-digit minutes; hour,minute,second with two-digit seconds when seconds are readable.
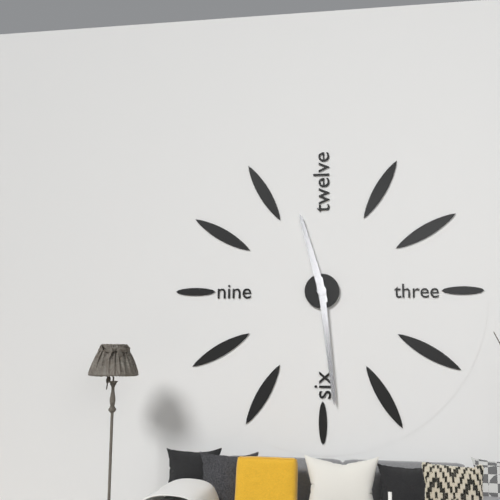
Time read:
11,29
